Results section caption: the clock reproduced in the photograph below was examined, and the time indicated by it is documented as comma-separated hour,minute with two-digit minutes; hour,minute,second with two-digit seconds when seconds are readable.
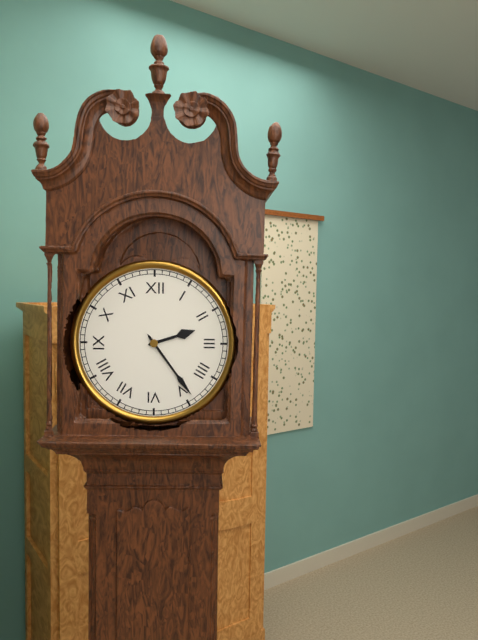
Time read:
2,24
